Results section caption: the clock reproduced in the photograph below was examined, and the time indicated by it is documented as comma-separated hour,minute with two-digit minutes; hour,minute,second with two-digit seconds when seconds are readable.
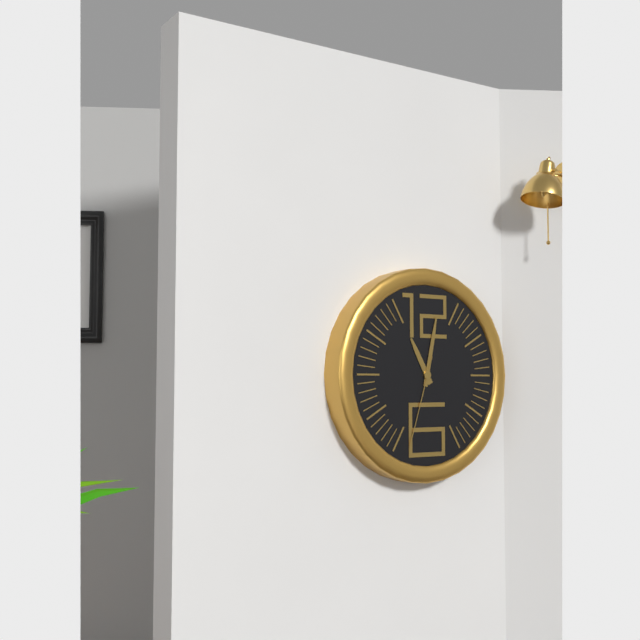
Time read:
11,02,33
